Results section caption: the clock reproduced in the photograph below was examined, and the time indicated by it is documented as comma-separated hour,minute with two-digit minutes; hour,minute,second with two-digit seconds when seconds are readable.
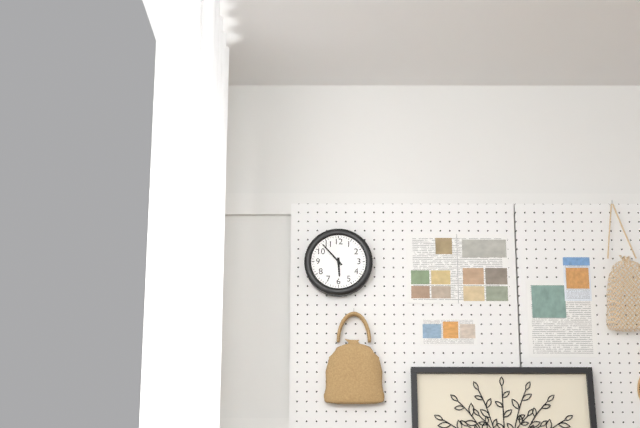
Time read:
5,53
